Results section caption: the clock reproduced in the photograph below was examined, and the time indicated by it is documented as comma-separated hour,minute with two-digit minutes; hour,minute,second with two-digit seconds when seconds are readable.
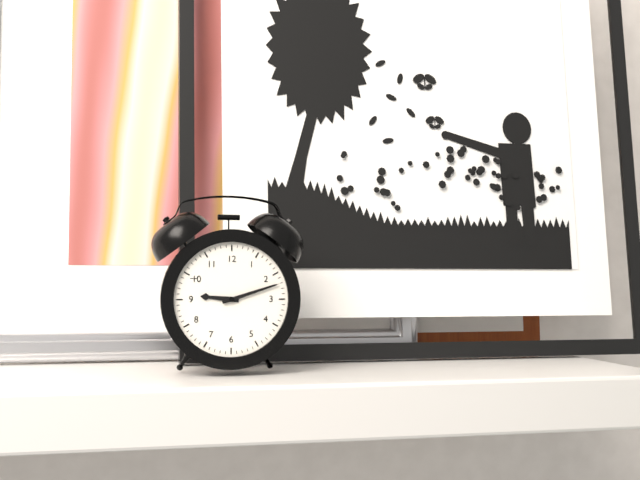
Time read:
9,12
